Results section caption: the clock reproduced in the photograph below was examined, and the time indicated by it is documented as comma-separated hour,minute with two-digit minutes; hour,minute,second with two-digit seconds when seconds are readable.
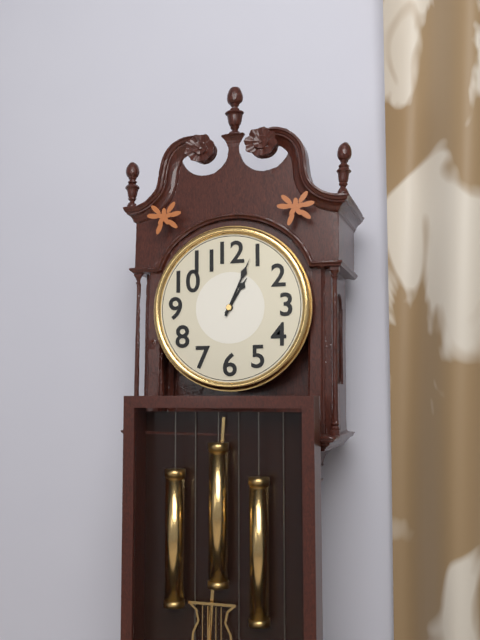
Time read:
1,04
